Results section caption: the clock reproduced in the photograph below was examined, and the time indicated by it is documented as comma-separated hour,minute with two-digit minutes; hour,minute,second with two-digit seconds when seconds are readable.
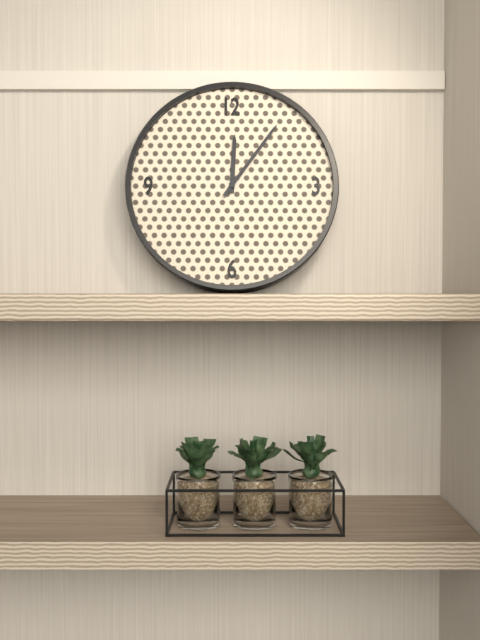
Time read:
12,06
